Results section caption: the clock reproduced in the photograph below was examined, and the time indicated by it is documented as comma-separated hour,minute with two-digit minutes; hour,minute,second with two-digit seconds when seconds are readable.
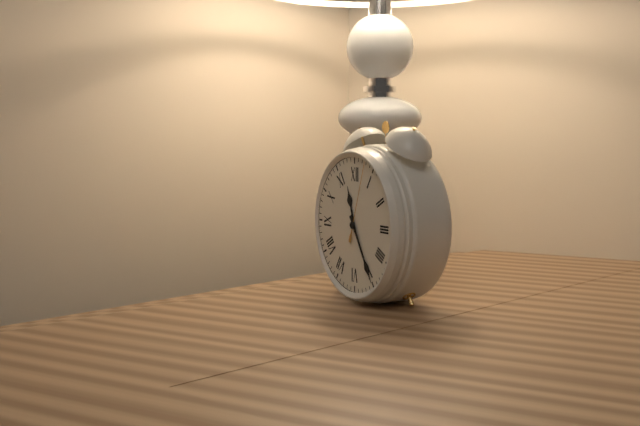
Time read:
11,25,03
